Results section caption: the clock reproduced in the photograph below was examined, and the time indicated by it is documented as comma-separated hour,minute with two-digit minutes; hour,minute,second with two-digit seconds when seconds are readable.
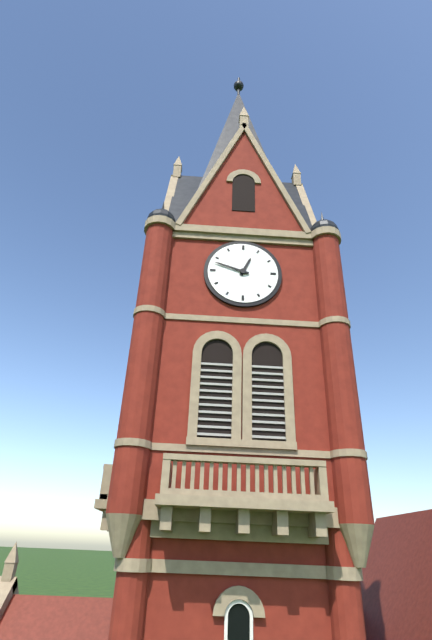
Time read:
12,48
